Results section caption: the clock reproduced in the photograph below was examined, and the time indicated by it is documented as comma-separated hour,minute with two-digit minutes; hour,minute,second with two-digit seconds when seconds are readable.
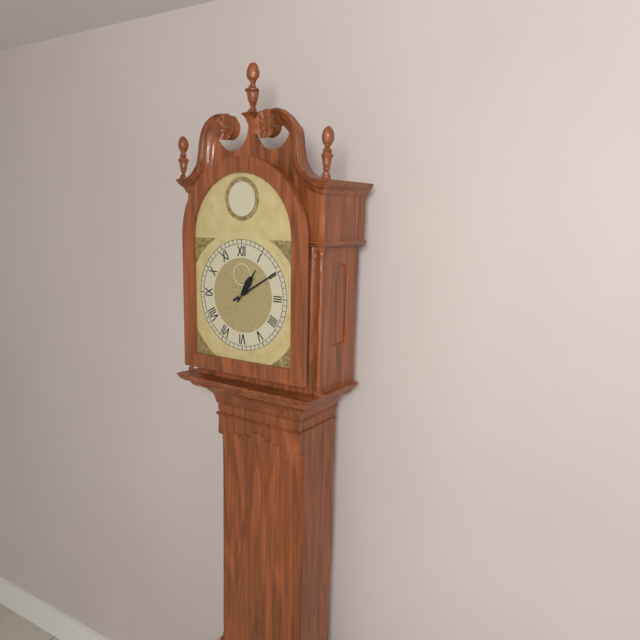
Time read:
1,10
